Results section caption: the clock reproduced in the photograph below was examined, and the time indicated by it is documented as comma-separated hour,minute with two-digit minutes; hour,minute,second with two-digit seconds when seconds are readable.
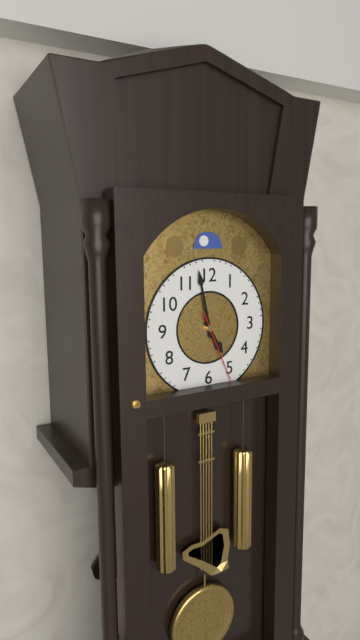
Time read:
4,58,26
